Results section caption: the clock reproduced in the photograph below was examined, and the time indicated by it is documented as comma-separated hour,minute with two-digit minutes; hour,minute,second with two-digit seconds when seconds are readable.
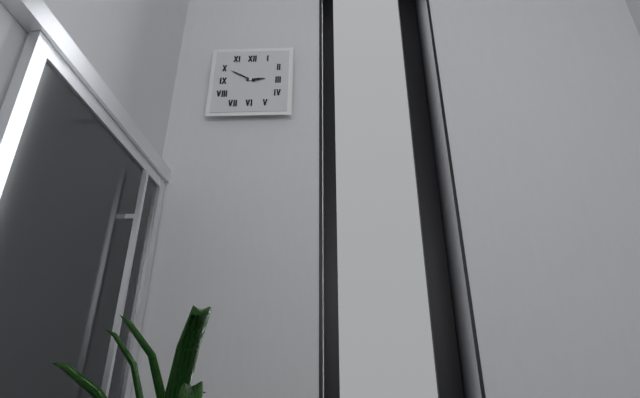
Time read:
2,50
